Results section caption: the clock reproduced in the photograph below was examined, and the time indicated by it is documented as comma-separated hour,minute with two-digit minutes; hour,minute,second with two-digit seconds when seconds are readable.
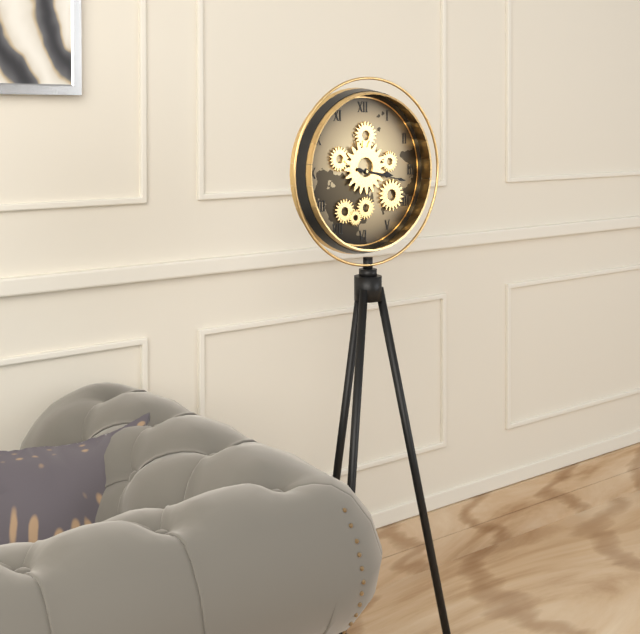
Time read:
3,17
